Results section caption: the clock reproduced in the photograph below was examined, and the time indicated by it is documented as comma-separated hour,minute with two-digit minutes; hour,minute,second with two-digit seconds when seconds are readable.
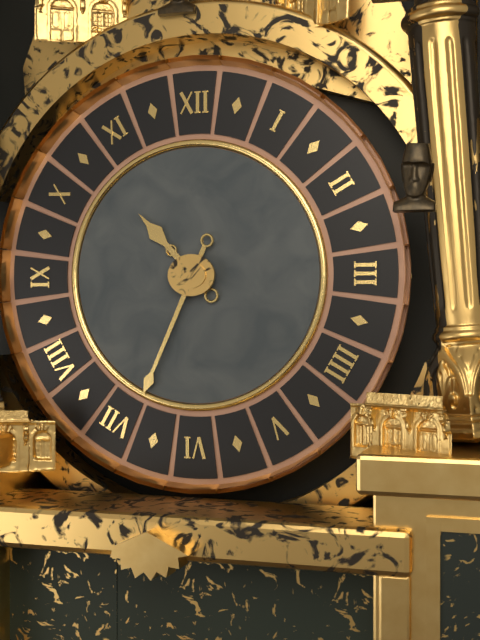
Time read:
10,34
